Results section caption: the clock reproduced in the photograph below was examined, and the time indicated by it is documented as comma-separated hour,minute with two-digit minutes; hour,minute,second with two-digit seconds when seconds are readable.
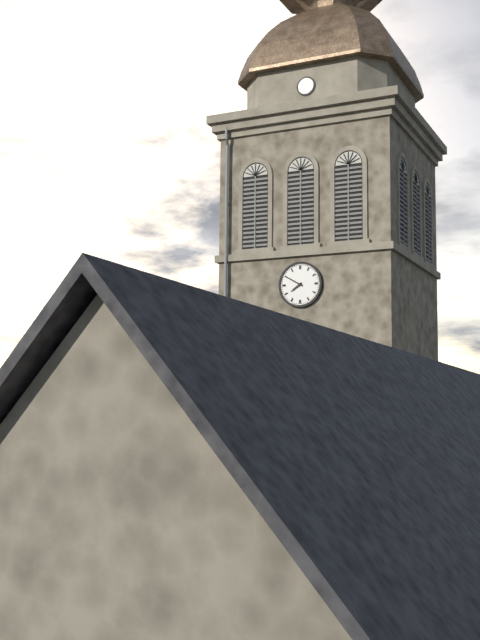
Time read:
7,50
